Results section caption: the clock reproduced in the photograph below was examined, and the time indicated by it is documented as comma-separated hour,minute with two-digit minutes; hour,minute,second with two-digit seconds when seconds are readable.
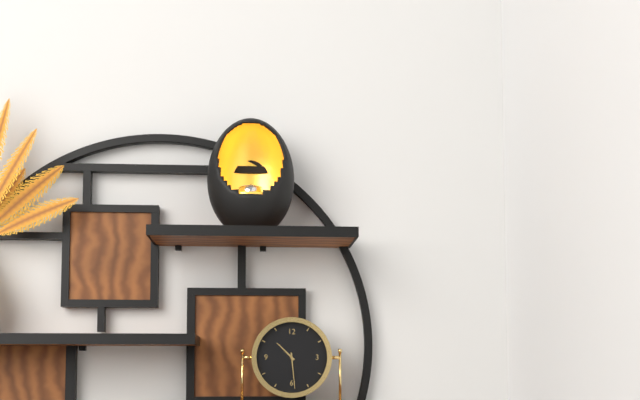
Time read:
10,29
